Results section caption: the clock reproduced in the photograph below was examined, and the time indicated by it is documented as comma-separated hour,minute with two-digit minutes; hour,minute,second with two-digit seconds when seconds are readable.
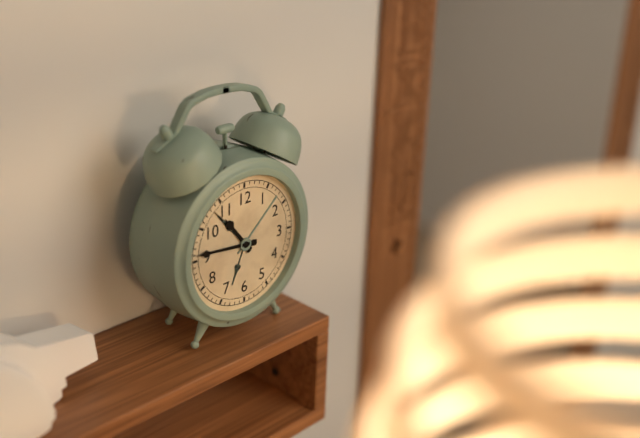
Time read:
10,46
